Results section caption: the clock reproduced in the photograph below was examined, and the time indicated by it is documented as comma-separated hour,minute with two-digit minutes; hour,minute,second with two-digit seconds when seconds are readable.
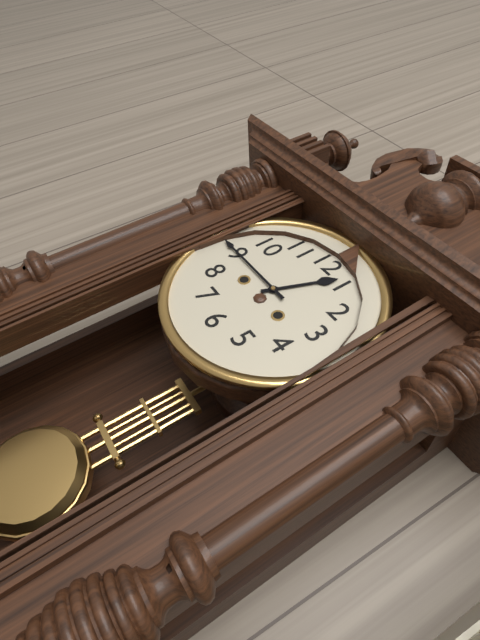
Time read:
12,45
